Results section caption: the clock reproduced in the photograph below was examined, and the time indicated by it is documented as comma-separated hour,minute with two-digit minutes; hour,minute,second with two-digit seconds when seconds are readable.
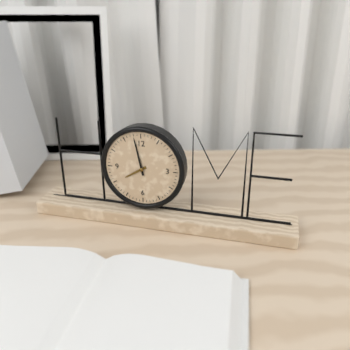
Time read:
7,58
